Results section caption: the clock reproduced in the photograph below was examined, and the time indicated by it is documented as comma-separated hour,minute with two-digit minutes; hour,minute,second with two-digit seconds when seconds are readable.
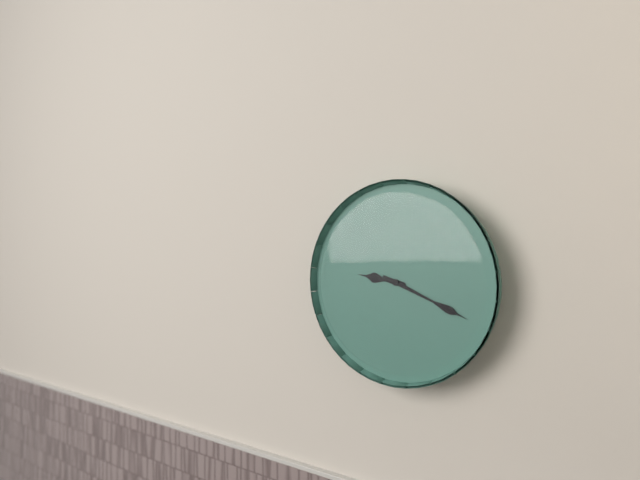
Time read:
9,19
